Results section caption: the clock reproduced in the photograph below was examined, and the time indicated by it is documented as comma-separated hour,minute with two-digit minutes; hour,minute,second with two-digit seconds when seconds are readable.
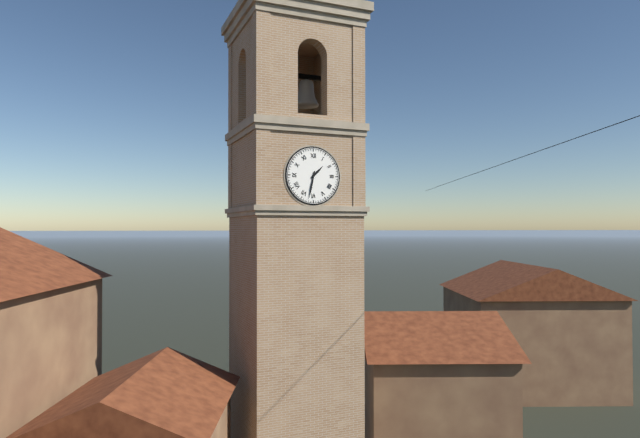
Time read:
1,32
